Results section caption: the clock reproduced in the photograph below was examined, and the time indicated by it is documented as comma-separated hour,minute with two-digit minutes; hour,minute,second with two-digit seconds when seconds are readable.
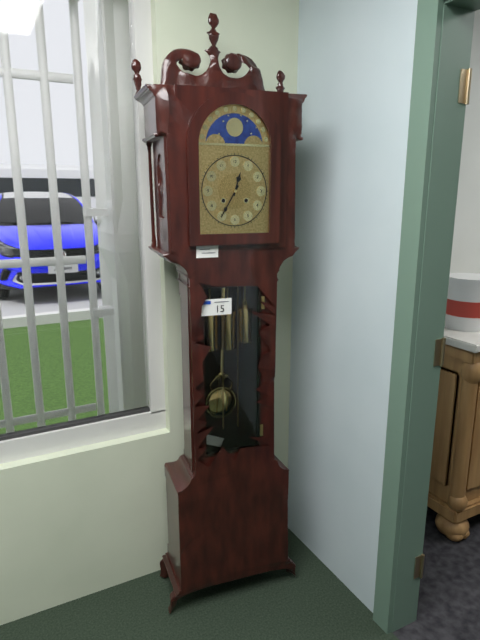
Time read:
12,35
